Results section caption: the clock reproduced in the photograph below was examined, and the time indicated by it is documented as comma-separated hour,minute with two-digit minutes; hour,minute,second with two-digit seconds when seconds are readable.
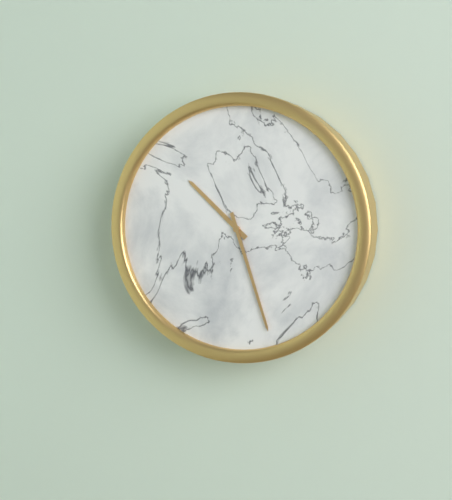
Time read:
10,27
